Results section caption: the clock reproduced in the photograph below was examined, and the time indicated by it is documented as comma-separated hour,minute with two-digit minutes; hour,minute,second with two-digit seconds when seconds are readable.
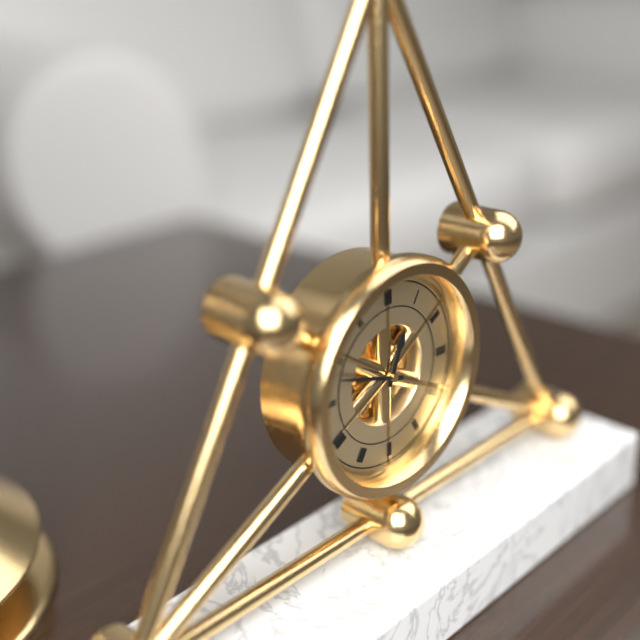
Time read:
12,48
